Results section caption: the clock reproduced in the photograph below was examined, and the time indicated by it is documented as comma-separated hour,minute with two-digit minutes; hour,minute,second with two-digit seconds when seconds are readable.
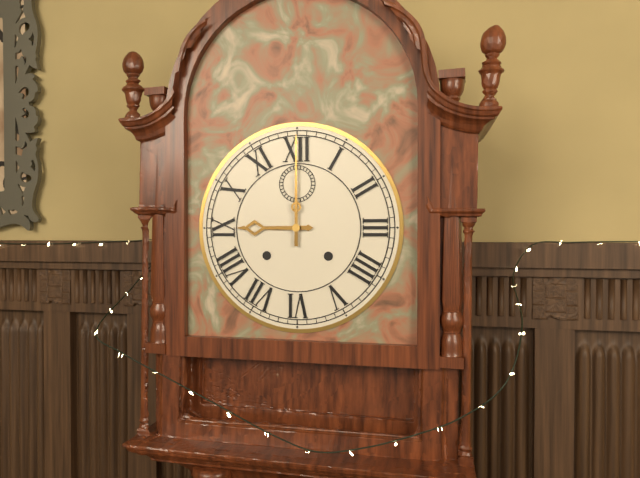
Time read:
9,00
